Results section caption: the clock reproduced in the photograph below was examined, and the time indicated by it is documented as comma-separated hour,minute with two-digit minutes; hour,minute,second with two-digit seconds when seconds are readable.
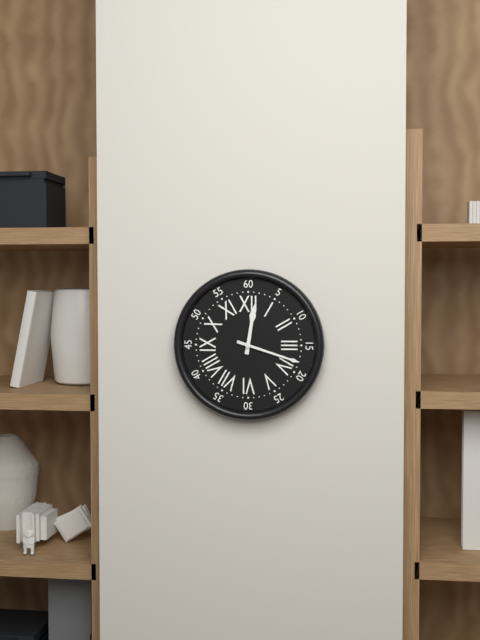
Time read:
12,18
